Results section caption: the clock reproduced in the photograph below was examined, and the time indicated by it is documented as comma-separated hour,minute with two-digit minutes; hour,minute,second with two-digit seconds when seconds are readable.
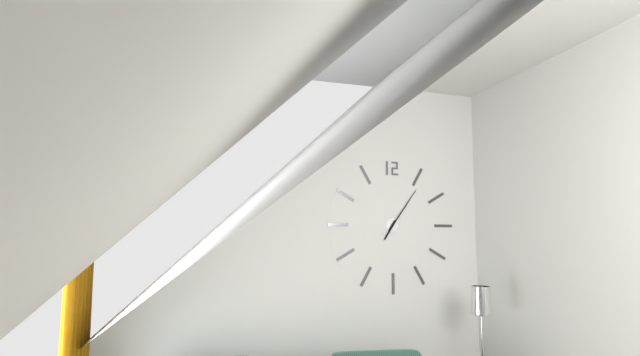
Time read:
7,06
